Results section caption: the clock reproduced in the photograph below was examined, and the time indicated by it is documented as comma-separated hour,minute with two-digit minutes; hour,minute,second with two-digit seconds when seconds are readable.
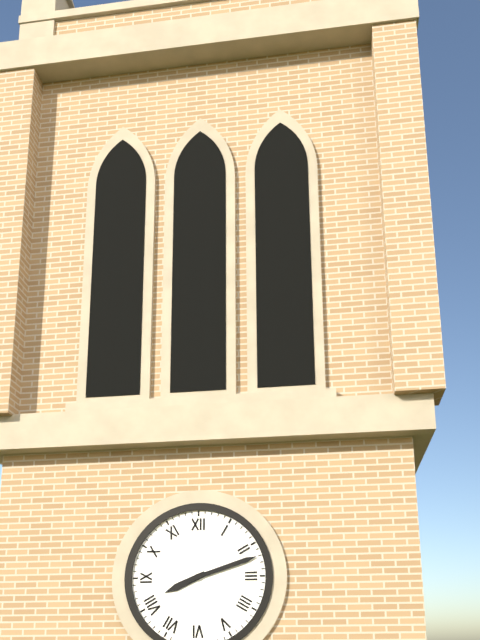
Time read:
8,12
